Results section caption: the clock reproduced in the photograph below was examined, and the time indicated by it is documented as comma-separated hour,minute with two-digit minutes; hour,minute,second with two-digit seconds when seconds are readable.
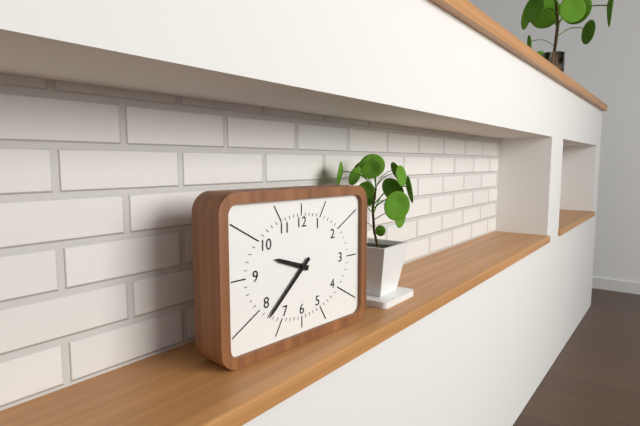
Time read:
9,38
